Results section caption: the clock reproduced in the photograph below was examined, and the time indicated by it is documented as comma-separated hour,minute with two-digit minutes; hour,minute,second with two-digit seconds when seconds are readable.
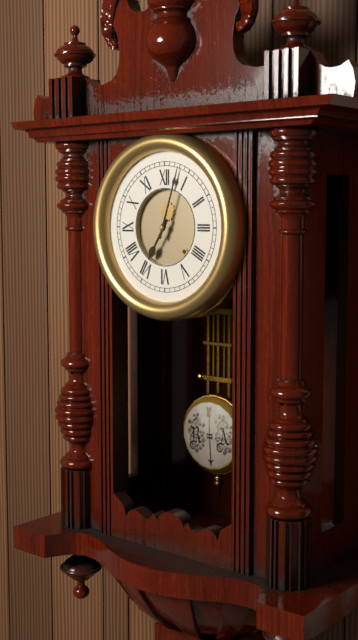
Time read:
7,03
